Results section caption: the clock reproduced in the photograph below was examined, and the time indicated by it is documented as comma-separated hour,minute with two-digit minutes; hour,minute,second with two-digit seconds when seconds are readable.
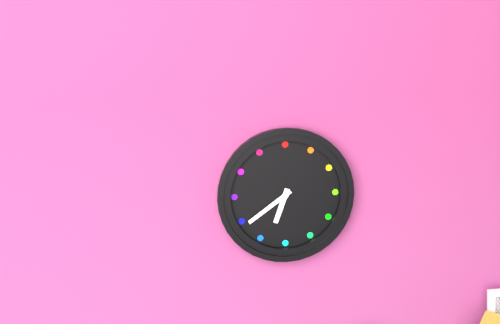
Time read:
6,39
